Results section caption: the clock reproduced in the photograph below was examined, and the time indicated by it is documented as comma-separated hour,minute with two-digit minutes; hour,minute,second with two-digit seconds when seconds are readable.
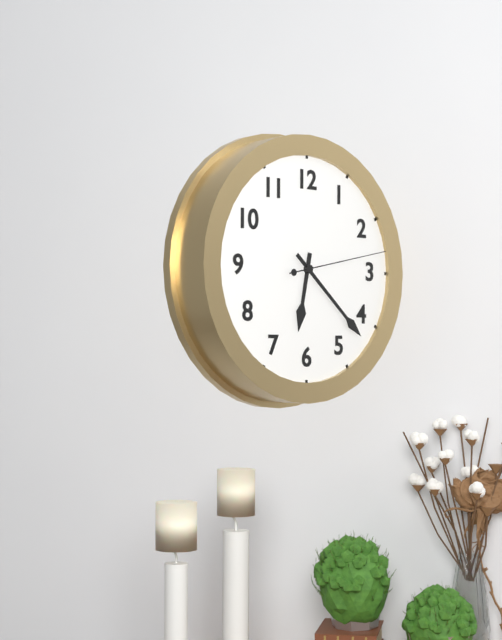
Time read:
6,22,13
